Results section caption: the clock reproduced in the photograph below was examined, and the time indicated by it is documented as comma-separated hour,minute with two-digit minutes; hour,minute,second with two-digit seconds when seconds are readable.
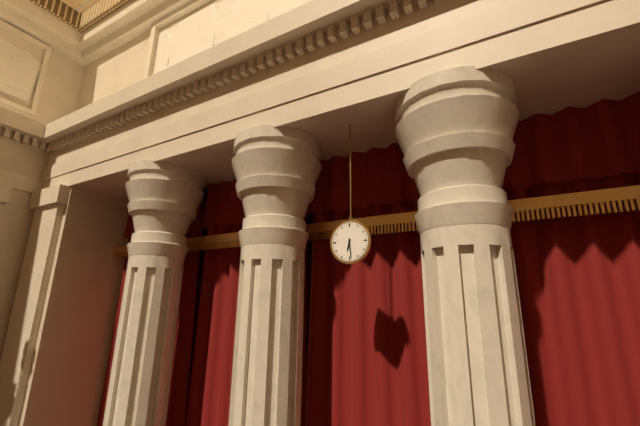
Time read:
6,29
